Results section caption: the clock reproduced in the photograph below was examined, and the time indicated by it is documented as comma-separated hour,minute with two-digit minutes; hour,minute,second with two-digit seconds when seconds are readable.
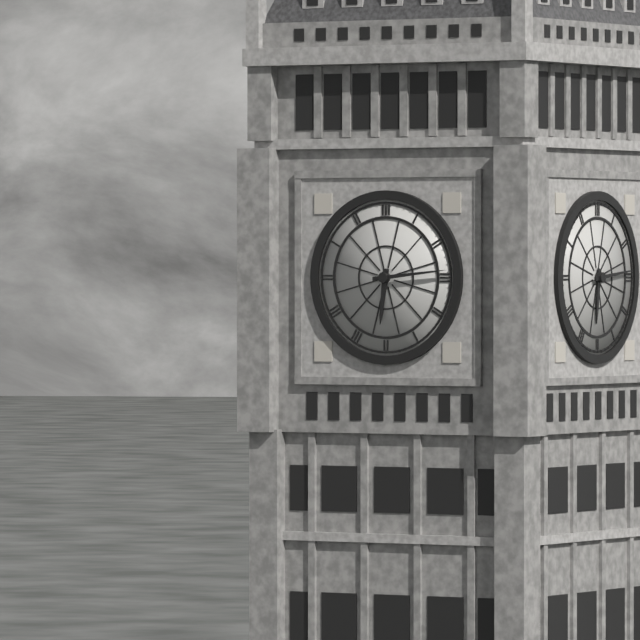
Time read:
6,14
